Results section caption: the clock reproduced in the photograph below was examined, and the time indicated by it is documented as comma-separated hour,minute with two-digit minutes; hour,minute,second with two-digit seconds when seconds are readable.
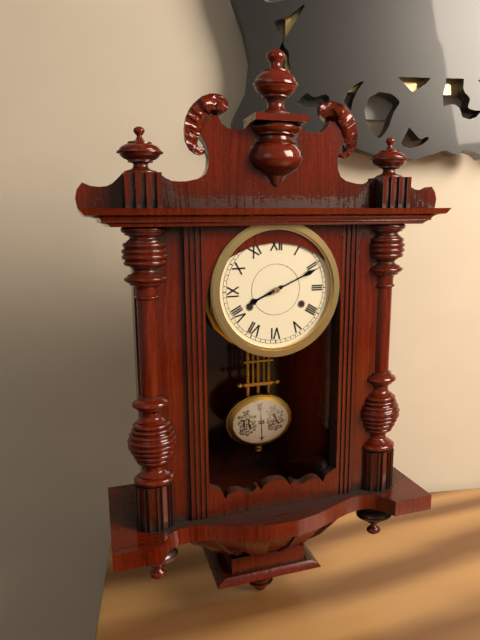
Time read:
8,11
